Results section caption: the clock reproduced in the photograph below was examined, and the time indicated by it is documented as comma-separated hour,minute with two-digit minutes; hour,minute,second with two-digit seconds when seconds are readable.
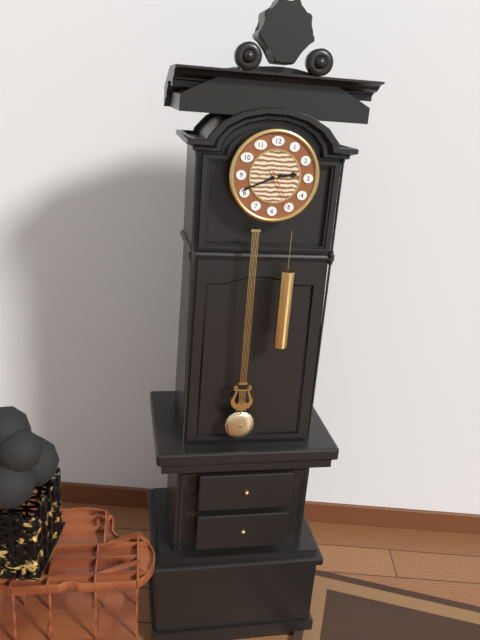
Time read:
2,41
